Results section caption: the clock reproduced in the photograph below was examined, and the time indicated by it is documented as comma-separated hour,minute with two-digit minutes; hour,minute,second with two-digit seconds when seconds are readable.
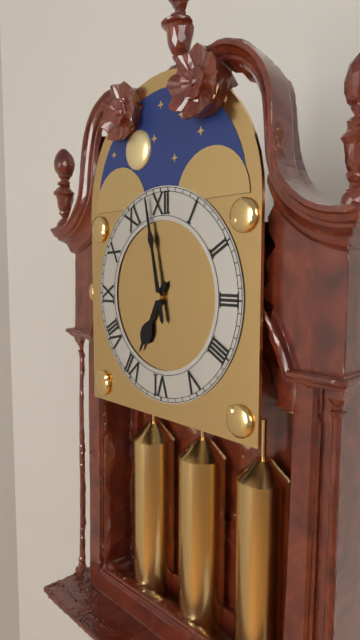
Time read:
6,58
